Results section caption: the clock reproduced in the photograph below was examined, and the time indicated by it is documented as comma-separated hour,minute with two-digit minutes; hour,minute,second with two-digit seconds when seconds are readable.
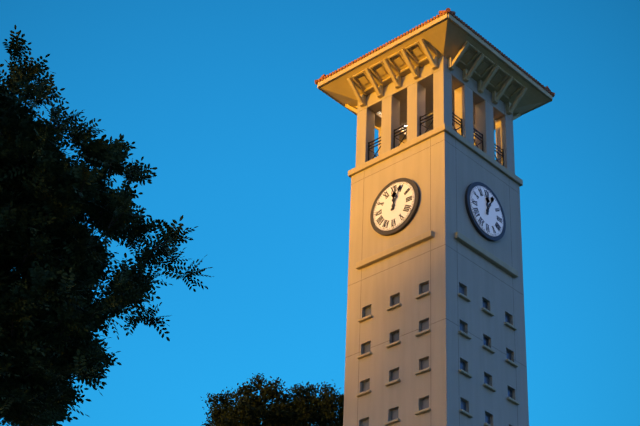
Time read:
12,04
